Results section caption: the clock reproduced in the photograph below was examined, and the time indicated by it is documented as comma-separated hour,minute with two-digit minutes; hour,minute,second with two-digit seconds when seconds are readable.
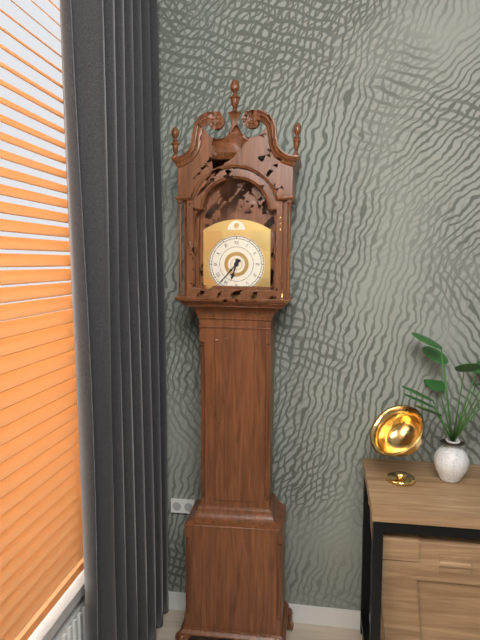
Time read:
6,37
